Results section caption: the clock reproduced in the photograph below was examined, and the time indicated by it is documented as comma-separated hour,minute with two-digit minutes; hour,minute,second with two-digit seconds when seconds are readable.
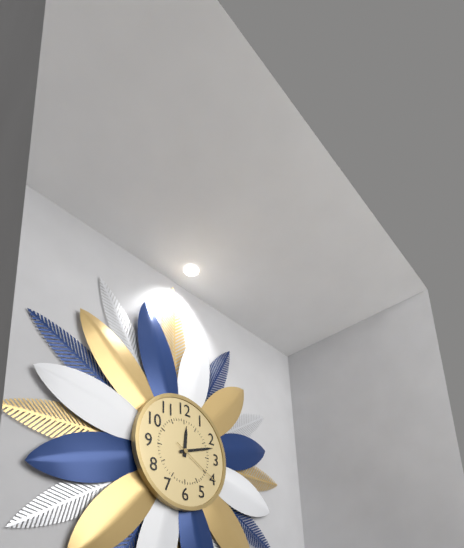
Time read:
12,12,20
